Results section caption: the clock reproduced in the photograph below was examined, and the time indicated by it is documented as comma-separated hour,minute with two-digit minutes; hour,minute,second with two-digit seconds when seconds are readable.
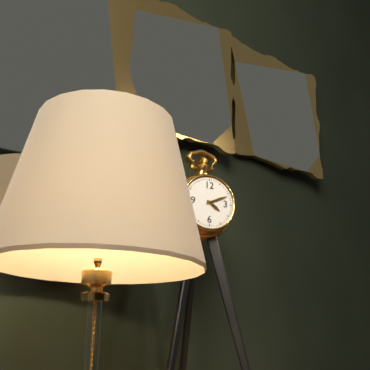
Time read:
4,11
